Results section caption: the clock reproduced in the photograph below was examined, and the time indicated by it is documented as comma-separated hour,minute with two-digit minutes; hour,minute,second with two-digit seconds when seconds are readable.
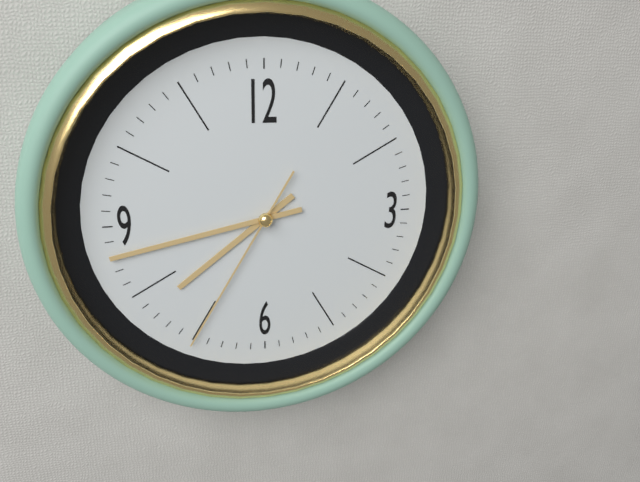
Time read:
7,43,35
